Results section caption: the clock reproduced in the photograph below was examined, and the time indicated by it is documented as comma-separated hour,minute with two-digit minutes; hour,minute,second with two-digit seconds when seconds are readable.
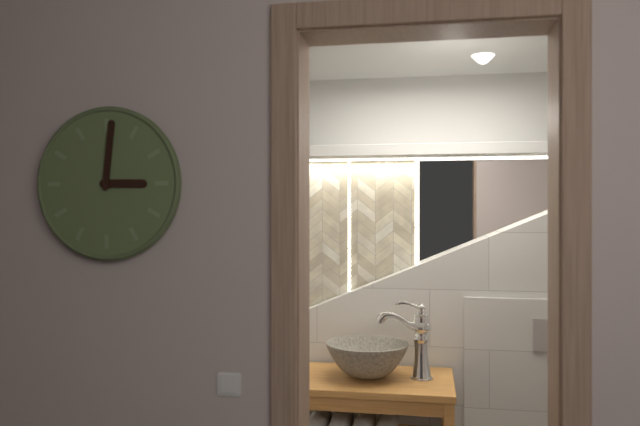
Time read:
3,01
